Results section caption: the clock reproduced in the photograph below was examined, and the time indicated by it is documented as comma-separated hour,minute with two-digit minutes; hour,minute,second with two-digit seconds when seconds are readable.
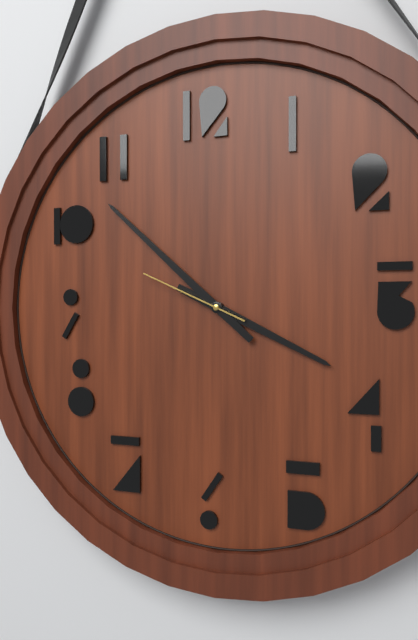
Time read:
3,52,49
